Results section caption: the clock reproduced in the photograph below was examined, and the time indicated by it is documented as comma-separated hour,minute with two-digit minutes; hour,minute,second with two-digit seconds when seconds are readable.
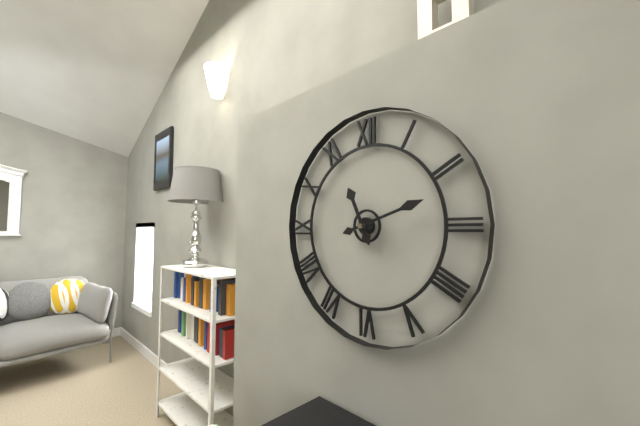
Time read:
11,12
